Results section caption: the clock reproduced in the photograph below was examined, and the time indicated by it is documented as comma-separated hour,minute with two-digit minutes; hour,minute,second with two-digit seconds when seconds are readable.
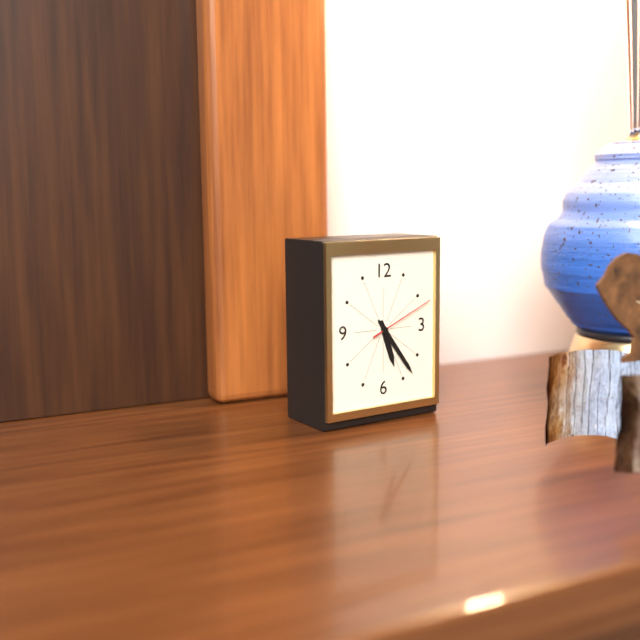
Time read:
5,24,11
